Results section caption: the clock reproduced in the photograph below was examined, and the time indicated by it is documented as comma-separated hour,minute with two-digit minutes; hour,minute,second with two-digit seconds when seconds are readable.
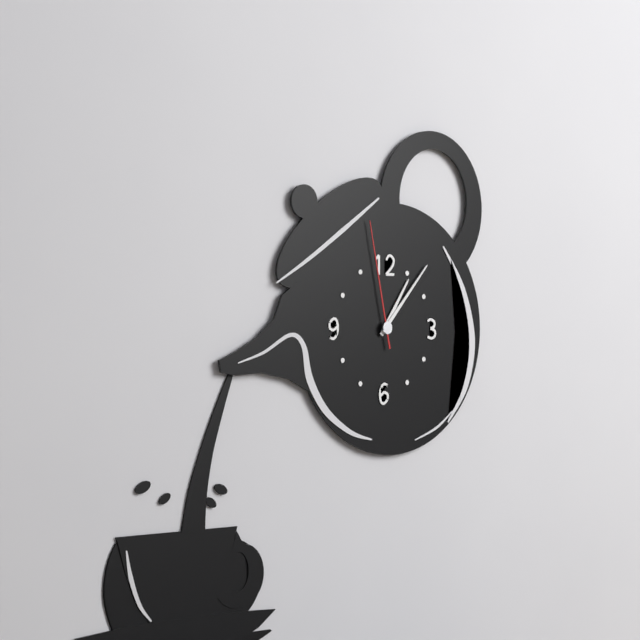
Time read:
1,07,58
